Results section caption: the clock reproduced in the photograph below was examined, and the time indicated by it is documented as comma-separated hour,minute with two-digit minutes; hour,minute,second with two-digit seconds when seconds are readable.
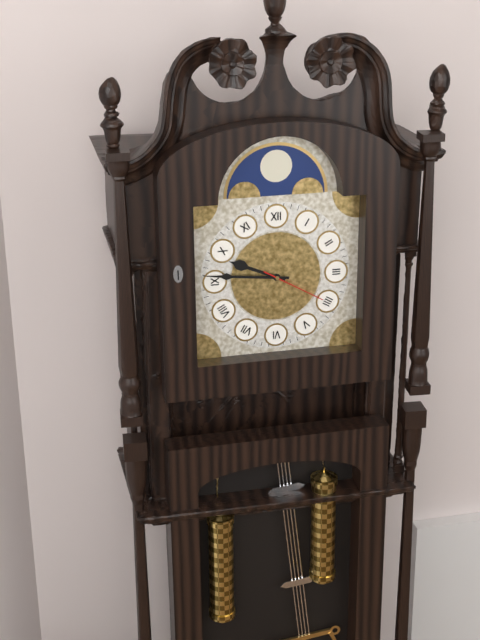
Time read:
9,46,20
